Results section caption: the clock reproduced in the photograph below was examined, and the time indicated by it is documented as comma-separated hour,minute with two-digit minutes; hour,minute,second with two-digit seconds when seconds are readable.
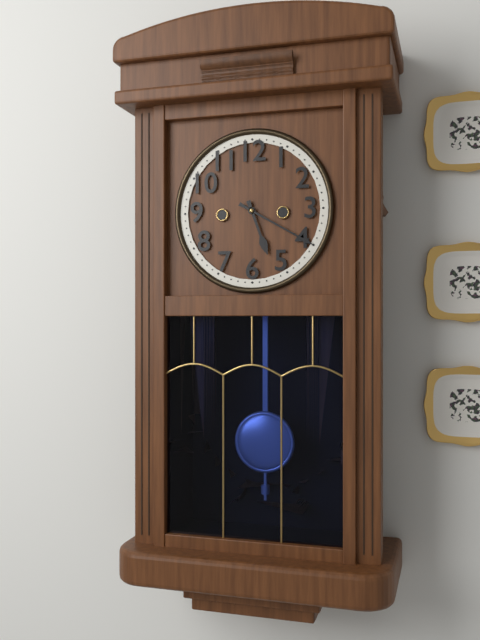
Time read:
5,20
